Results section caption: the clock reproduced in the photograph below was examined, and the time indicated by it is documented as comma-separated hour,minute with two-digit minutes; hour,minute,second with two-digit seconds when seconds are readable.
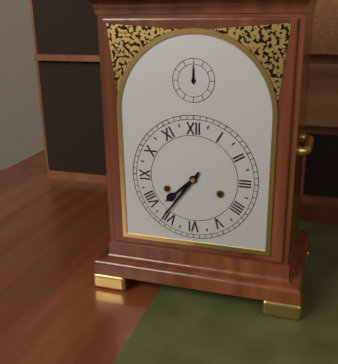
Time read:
7,36
